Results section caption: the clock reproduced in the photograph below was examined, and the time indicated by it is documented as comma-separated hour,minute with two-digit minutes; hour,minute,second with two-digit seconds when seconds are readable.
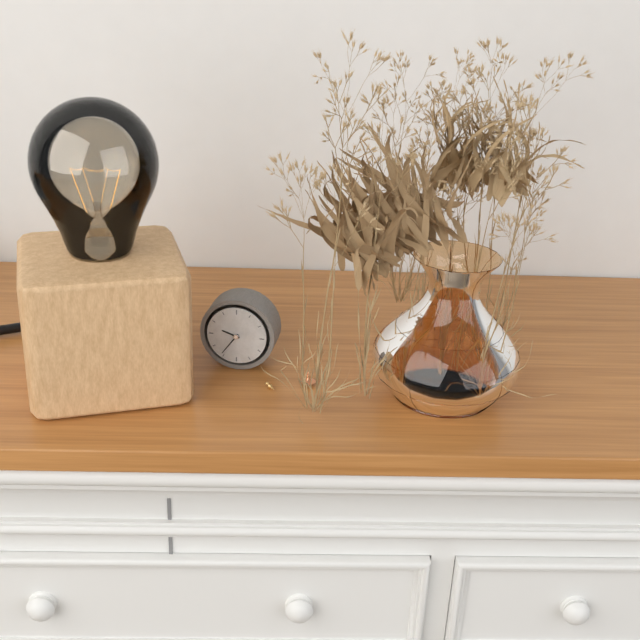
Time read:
9,36
